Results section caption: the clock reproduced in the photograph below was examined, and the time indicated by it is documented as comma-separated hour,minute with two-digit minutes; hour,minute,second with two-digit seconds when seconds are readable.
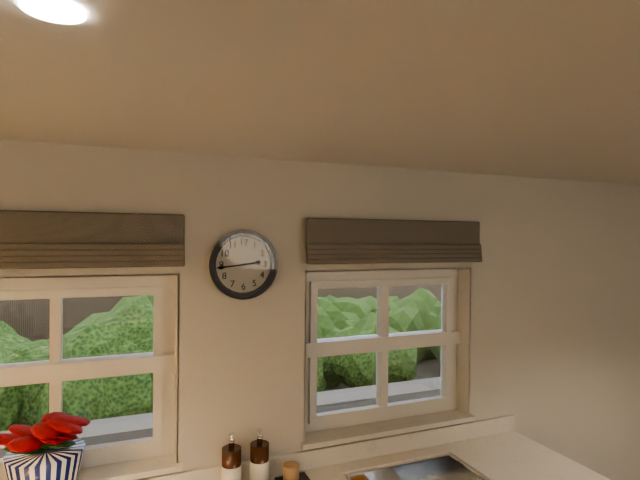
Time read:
2,44
